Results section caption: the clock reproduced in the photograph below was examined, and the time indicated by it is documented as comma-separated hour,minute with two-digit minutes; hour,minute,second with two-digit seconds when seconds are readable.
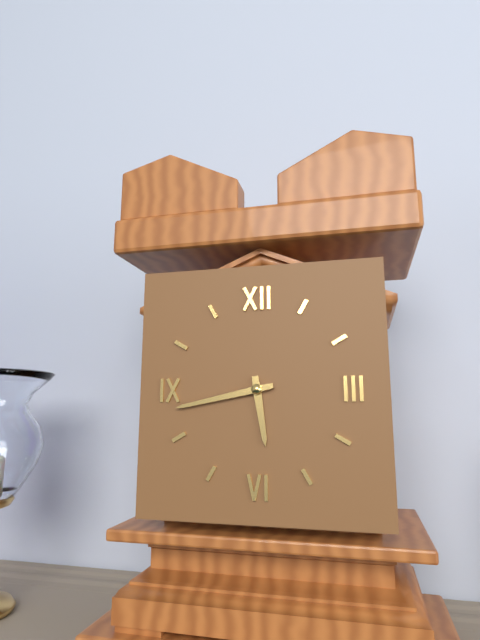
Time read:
5,43
